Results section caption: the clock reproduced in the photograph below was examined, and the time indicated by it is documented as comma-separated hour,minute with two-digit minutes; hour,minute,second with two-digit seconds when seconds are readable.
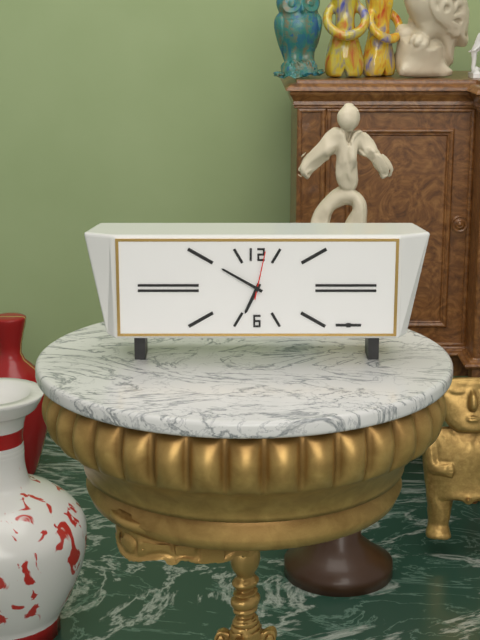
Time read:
6,50
